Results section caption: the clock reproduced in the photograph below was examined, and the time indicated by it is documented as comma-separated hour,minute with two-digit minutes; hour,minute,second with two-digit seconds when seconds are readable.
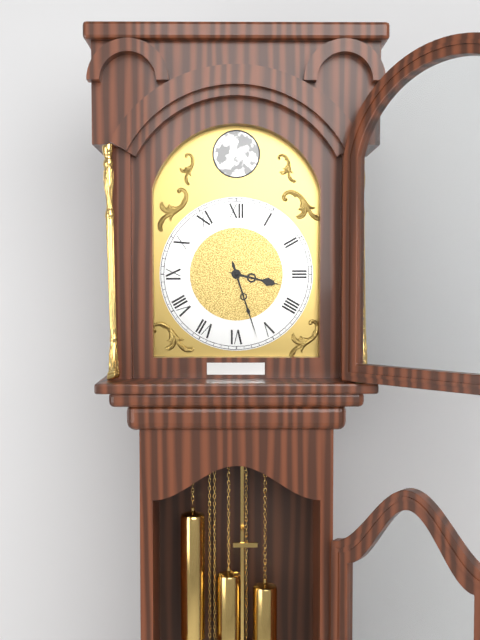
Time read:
3,27
